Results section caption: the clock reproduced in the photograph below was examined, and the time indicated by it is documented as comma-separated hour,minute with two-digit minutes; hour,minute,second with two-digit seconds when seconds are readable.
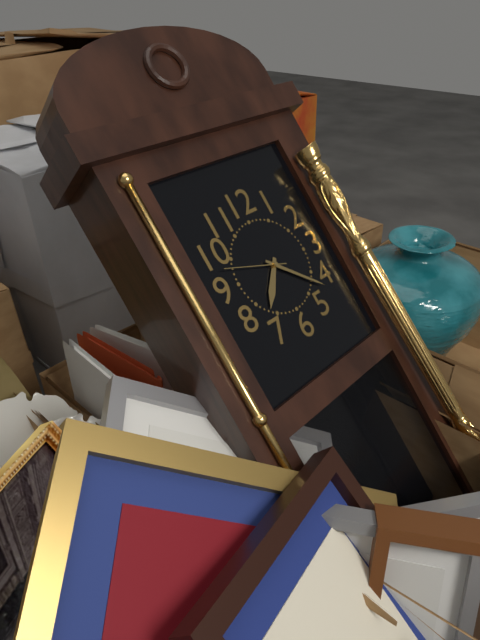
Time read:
7,22,48
